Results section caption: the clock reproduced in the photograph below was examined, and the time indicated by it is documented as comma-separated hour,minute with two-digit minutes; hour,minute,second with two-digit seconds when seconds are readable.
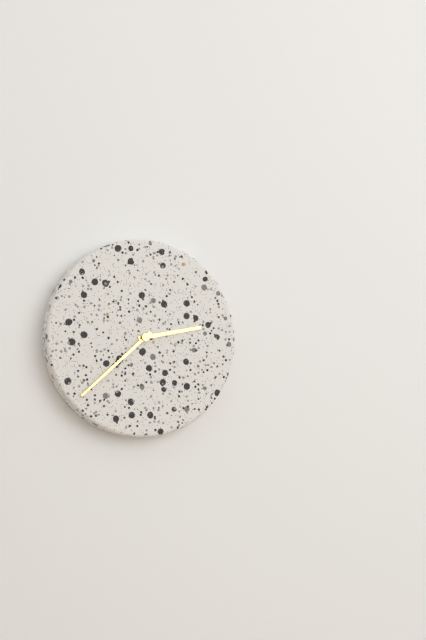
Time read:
2,38
